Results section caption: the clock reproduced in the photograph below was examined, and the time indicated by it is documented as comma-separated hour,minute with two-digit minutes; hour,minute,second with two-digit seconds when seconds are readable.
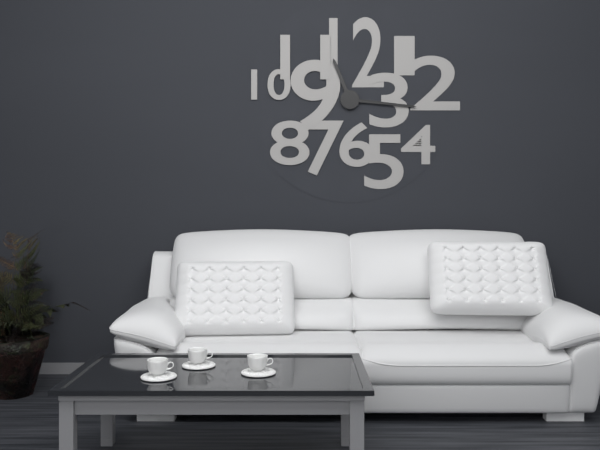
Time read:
11,16
